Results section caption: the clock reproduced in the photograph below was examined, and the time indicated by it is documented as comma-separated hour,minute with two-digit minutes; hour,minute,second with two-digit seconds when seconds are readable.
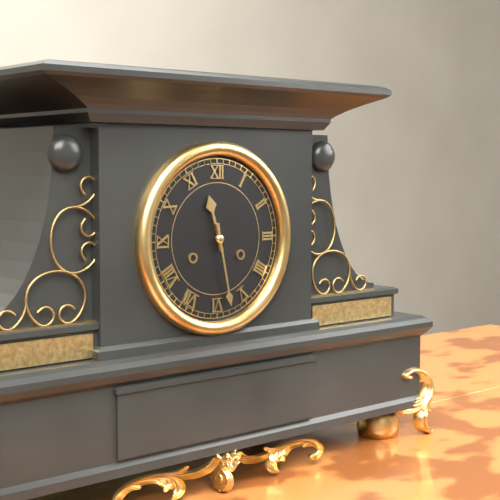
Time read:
11,28
